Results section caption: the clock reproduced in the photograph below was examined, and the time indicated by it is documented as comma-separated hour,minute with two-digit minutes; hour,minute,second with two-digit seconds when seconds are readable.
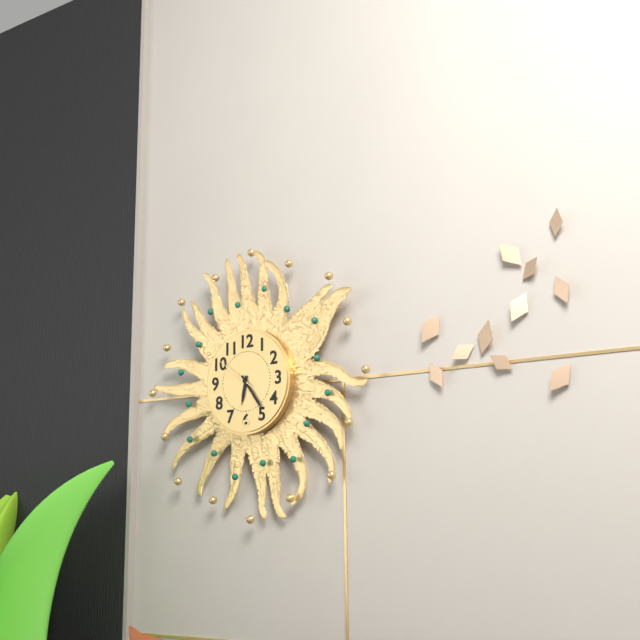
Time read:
6,24
